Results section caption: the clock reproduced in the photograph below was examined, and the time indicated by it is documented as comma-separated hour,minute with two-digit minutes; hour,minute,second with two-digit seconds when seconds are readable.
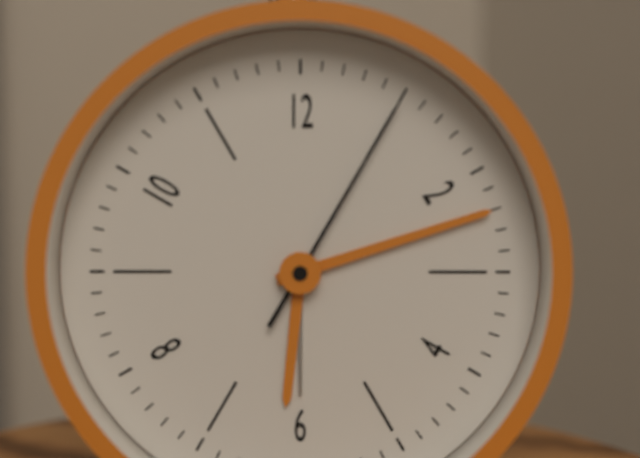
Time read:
6,12,05
